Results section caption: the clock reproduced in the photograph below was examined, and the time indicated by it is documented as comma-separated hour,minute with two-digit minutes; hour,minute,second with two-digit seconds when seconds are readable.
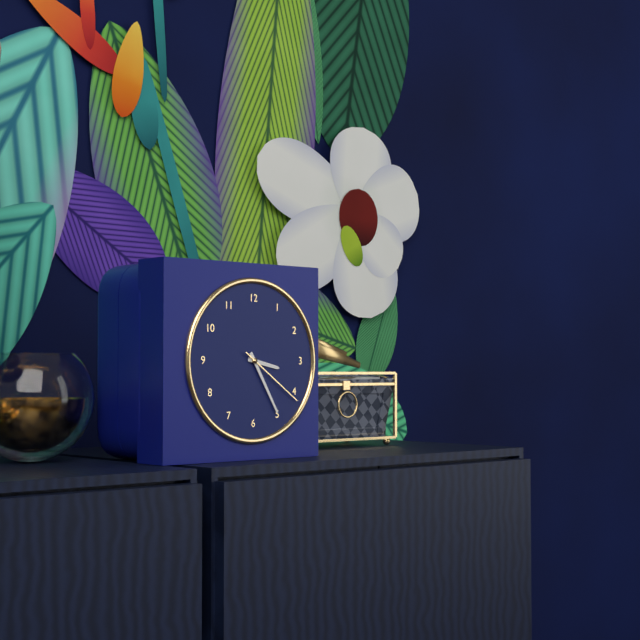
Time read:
3,25,21
